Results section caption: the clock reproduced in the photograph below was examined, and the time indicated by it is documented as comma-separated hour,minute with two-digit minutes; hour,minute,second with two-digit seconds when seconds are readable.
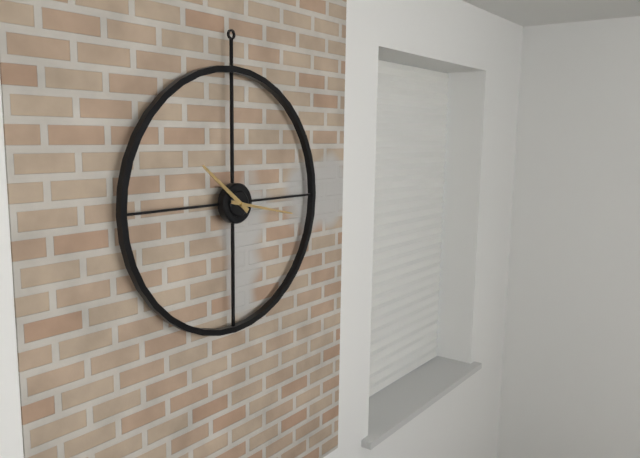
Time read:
10,17
